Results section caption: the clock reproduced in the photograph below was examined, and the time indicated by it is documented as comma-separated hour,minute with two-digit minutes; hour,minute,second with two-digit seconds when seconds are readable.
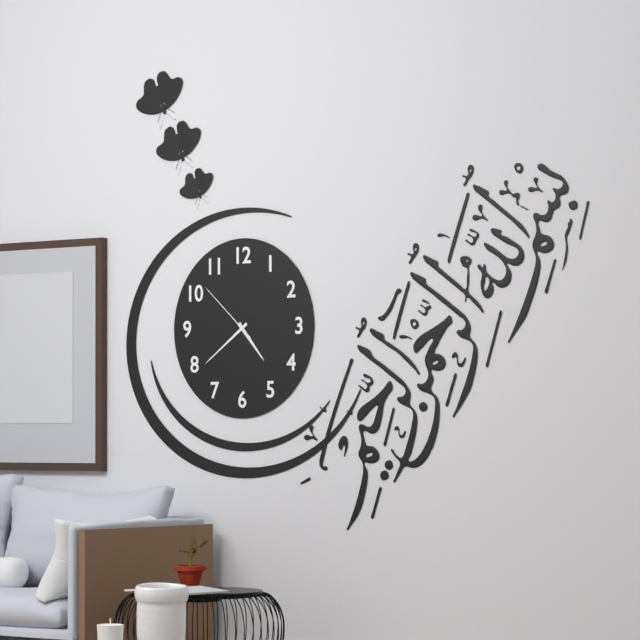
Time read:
4,39,52
